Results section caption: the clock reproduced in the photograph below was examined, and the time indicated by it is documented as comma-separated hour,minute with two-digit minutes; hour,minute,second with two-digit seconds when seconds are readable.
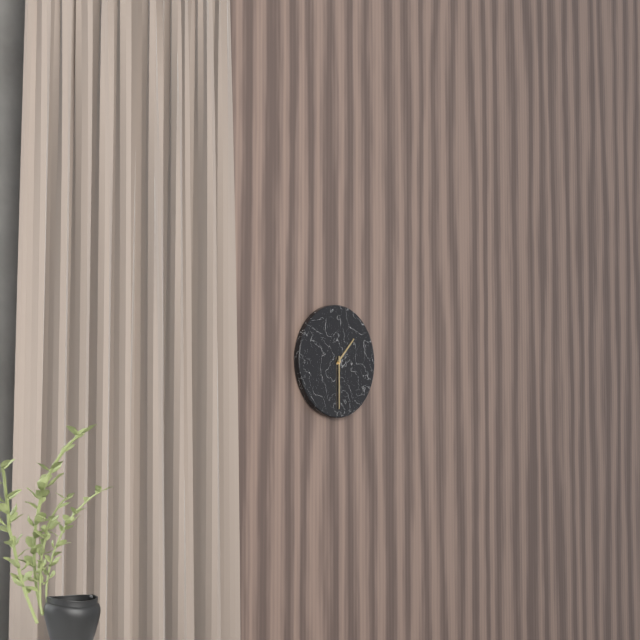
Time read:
1,30
